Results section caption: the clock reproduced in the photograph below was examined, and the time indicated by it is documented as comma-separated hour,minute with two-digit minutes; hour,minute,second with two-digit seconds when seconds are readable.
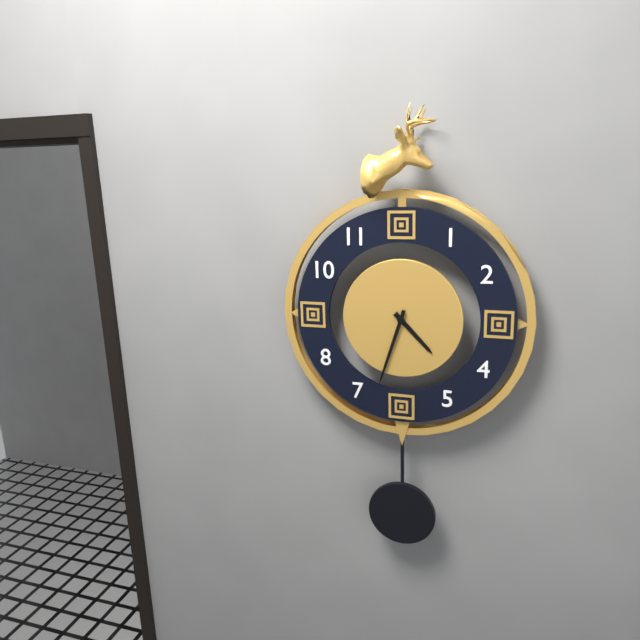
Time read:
4,33
